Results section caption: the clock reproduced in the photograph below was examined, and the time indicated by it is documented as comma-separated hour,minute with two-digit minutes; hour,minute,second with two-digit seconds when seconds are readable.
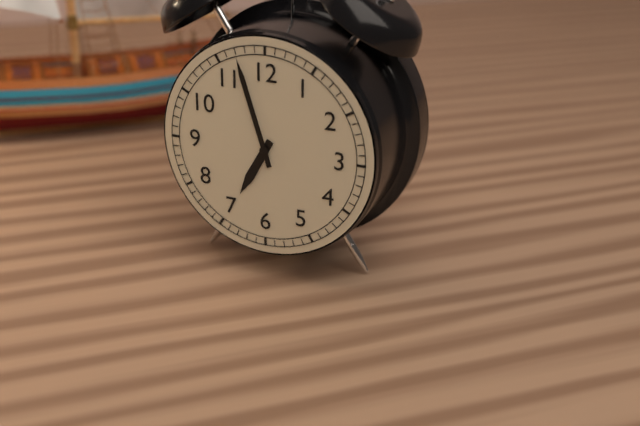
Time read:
6,57
